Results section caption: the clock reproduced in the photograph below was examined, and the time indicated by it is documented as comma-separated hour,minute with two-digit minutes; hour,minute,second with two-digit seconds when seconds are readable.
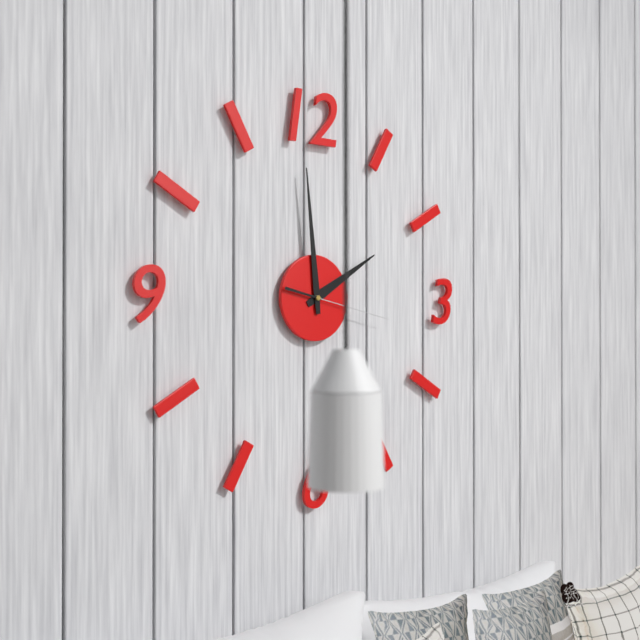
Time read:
1,59,17
